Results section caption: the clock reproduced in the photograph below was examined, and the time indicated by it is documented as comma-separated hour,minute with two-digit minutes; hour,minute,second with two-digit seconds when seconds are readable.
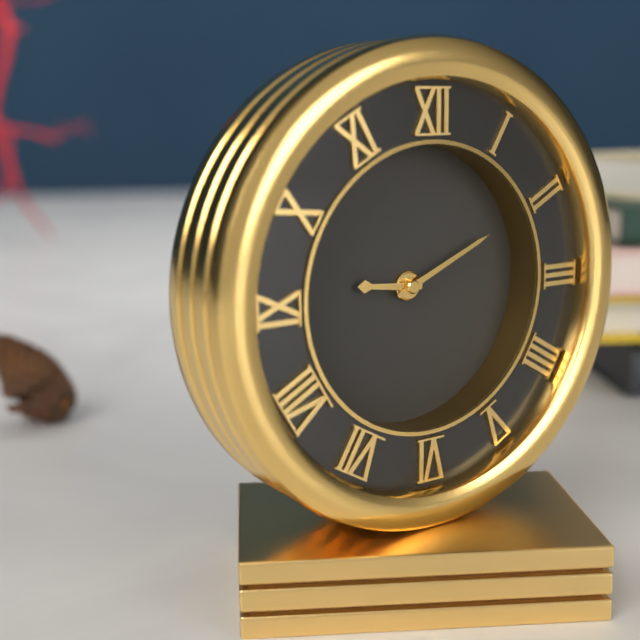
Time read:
9,11
